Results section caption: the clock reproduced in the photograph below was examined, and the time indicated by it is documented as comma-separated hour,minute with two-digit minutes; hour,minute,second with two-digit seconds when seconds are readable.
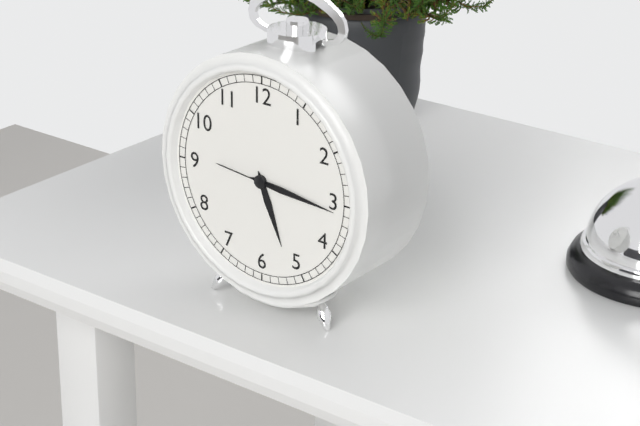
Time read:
5,16,46
